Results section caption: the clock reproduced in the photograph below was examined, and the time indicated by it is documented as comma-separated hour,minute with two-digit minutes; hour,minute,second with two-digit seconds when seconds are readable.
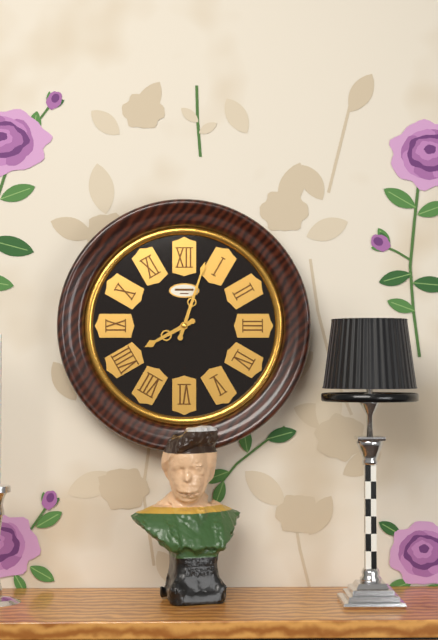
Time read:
8,03
